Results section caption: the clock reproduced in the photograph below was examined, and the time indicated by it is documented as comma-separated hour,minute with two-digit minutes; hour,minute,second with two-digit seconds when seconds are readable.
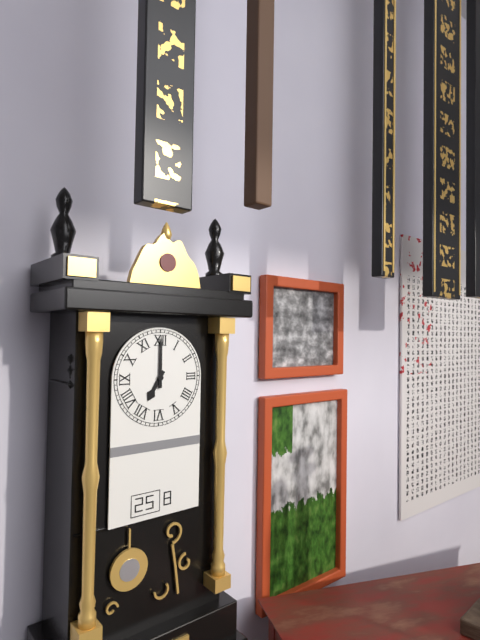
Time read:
7,00
